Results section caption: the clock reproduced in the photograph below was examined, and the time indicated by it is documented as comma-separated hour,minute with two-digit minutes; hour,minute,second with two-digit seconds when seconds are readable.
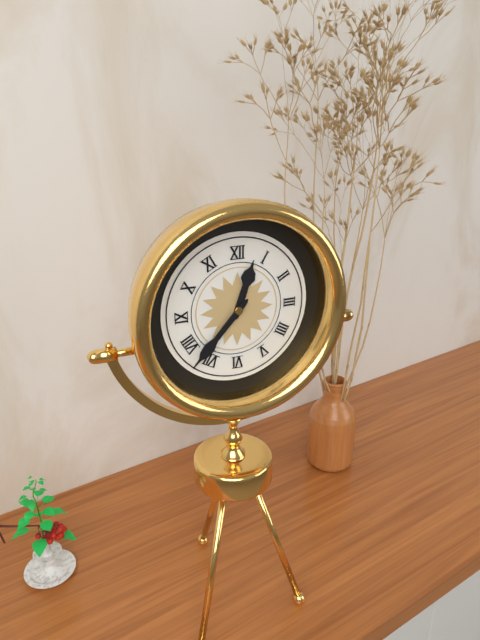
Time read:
12,37
